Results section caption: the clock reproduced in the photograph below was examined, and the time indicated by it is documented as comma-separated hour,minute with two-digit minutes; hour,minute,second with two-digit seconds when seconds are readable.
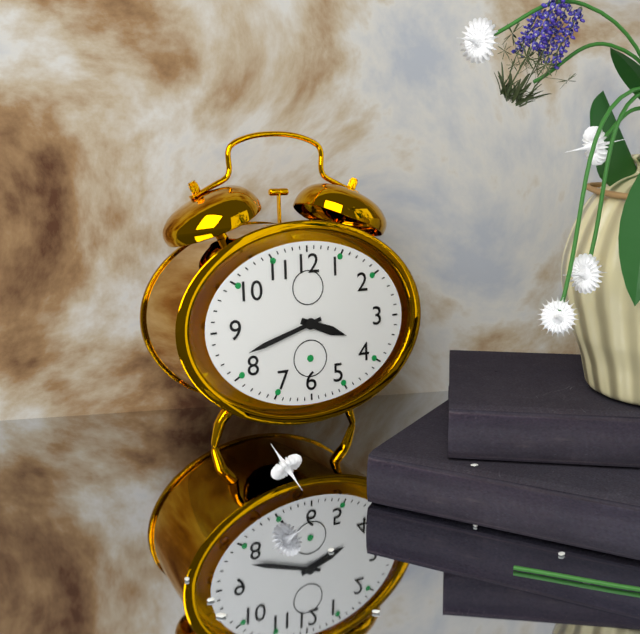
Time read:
3,42
